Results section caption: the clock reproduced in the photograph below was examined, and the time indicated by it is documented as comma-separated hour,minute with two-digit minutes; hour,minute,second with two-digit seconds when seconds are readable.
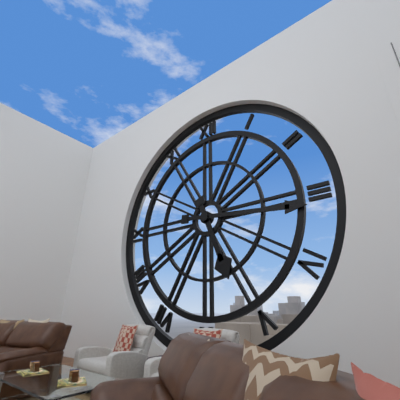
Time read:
5,16
